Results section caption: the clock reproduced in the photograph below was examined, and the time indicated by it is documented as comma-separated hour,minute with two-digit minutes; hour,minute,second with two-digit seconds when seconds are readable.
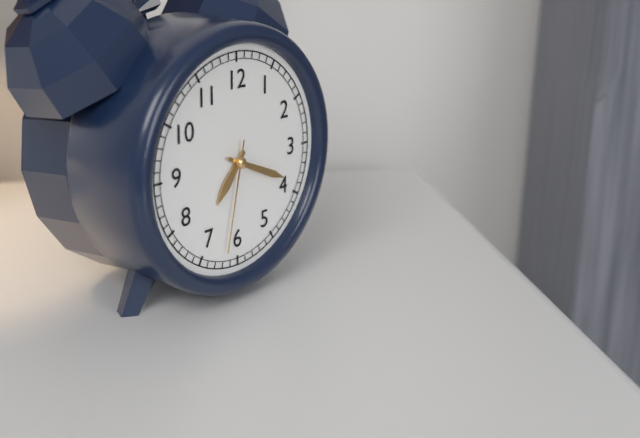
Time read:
7,19,32
